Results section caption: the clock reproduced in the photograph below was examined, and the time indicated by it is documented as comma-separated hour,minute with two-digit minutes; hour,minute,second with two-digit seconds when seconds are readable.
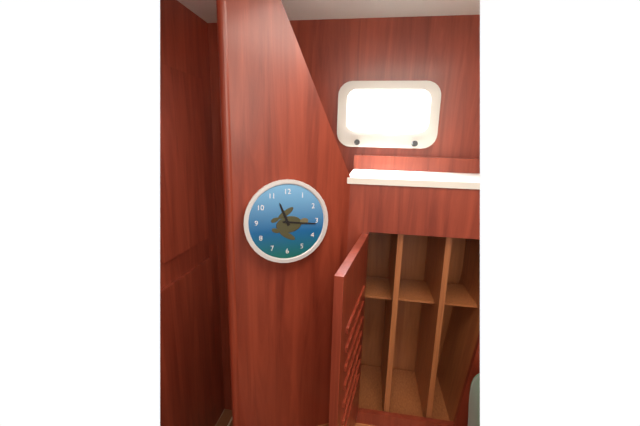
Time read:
11,16
